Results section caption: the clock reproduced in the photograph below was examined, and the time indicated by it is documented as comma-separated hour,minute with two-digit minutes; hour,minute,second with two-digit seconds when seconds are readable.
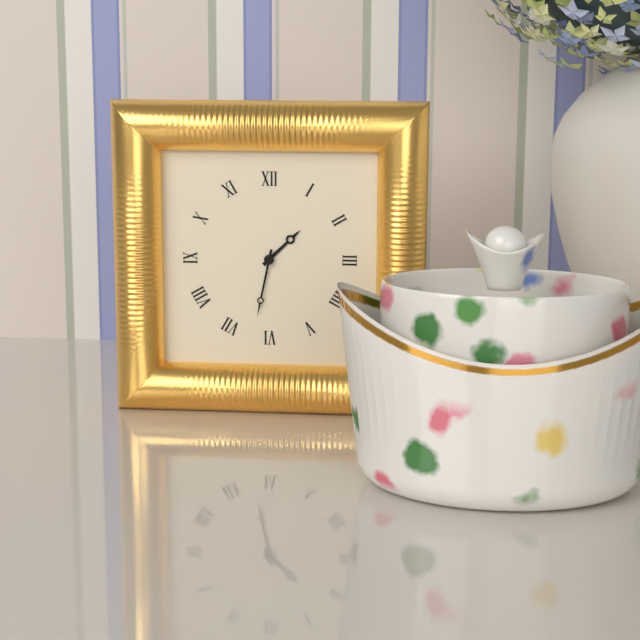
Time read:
1,32
